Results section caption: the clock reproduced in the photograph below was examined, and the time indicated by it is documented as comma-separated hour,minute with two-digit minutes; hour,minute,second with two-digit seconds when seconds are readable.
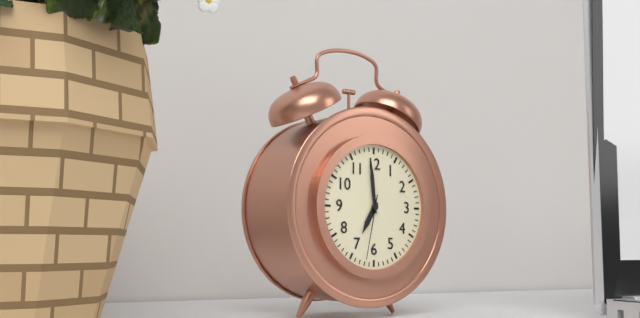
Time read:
6,59,32
